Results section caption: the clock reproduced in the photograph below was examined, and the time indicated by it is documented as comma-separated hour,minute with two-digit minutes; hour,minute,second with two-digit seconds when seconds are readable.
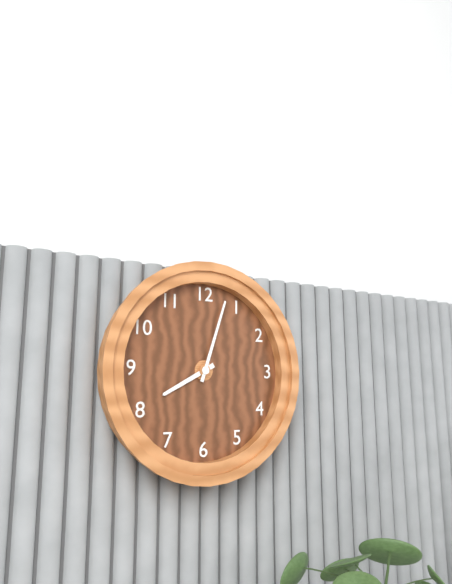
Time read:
8,03
